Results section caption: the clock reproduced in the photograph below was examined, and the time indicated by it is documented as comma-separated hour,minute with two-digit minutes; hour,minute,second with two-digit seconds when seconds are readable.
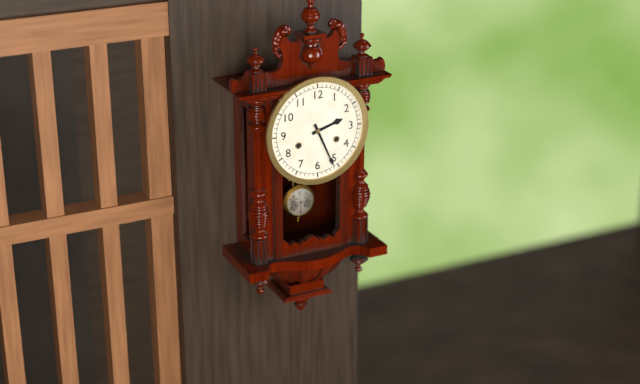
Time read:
2,26
